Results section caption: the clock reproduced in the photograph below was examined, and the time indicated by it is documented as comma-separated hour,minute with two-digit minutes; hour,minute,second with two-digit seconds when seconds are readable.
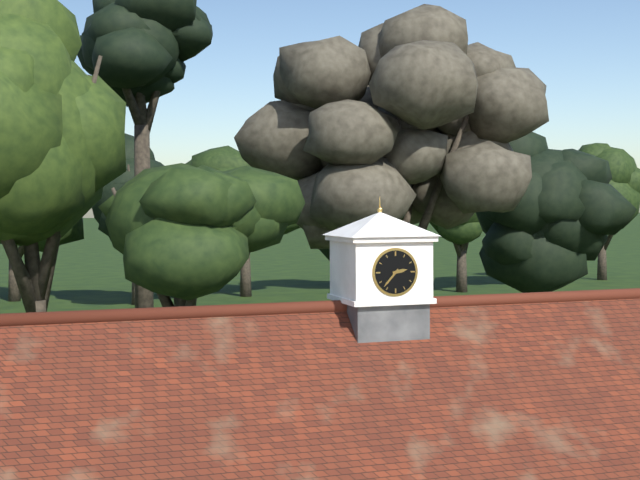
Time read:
2,37
